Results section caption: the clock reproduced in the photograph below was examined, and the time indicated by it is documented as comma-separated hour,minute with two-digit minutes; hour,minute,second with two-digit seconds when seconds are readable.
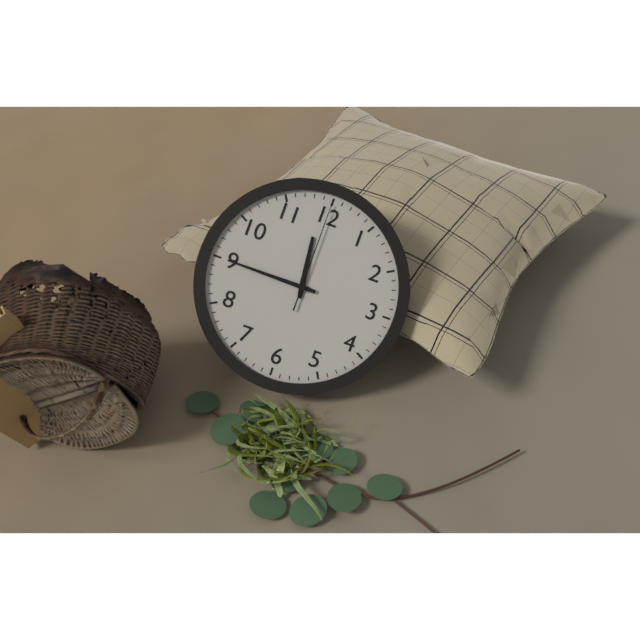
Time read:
11,45,00
